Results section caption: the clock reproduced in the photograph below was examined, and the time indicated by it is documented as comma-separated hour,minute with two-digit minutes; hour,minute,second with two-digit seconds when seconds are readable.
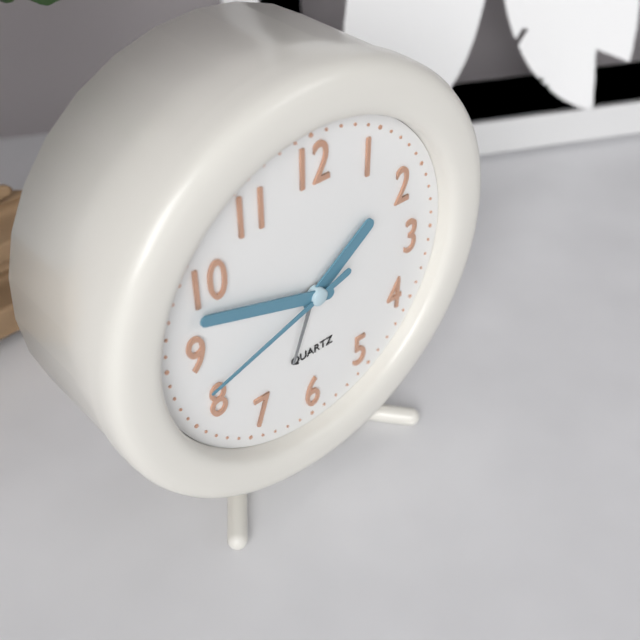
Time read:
1,48,42
